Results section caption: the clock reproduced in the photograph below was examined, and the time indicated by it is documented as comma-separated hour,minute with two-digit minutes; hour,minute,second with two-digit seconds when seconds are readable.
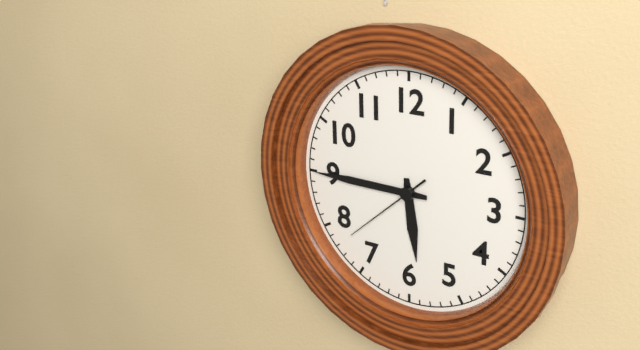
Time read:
5,45,38
